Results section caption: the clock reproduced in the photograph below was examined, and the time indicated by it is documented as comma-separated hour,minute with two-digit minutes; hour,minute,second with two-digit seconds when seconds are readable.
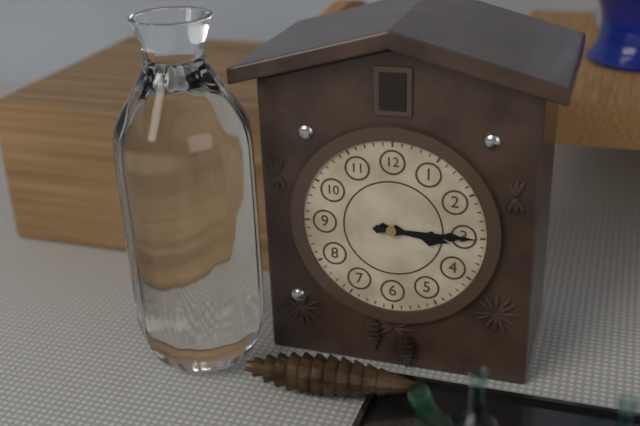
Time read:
3,15
